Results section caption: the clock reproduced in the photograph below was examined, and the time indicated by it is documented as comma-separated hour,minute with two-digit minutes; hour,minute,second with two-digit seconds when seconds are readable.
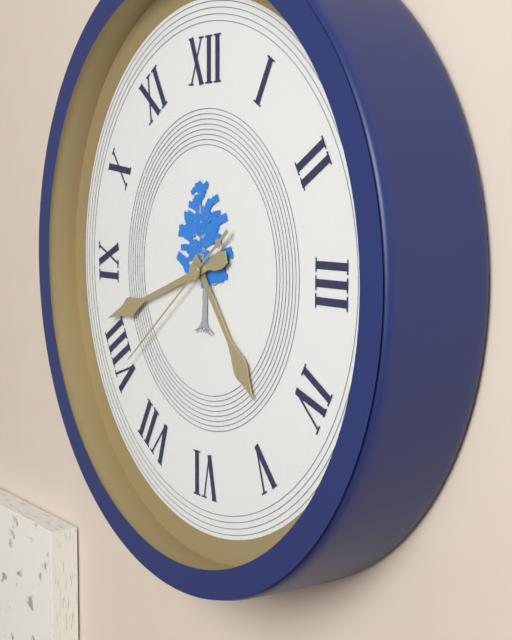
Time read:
4,42,39
